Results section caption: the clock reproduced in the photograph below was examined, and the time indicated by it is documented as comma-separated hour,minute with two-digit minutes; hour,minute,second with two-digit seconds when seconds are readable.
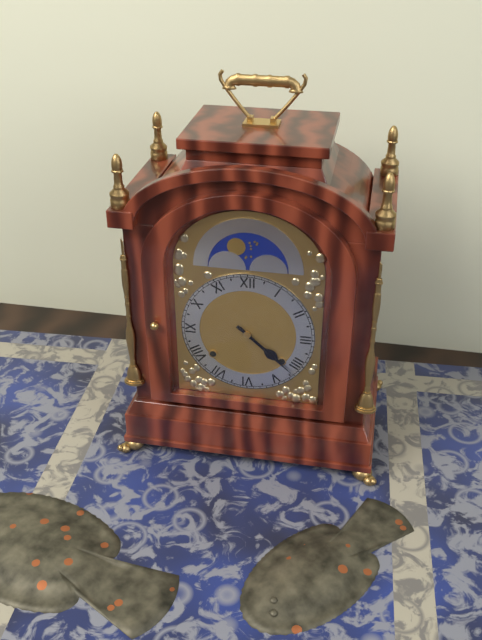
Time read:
4,22
